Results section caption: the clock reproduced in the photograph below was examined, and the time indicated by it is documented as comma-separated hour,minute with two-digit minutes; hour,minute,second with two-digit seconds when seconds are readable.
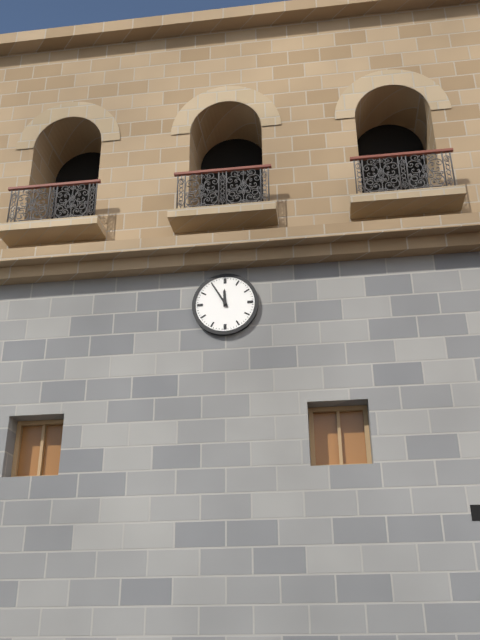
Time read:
11,55
